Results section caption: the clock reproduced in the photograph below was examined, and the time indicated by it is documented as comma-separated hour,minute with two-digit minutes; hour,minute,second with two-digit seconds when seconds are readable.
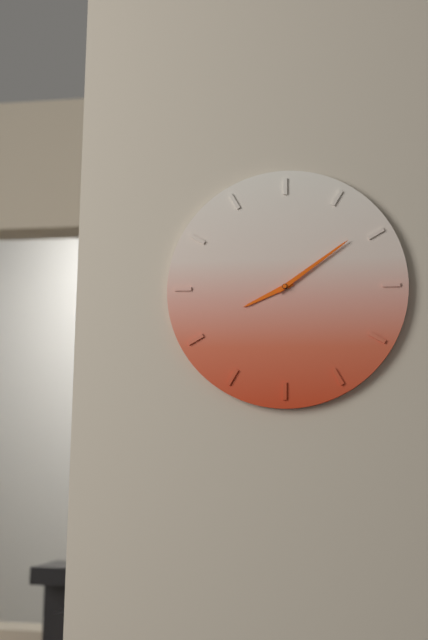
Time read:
8,09
